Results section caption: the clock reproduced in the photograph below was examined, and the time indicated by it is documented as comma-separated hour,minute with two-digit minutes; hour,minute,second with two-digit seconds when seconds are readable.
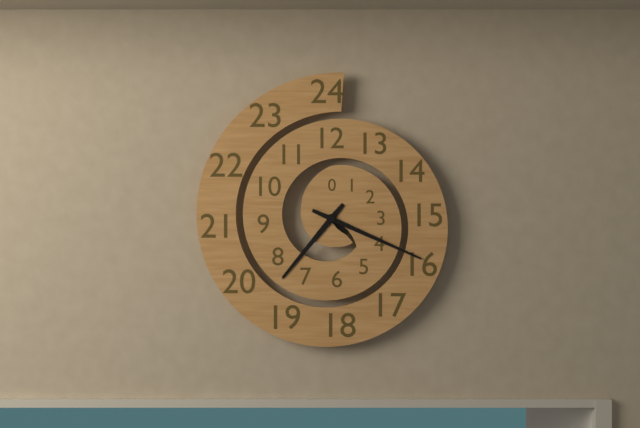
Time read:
7,19
